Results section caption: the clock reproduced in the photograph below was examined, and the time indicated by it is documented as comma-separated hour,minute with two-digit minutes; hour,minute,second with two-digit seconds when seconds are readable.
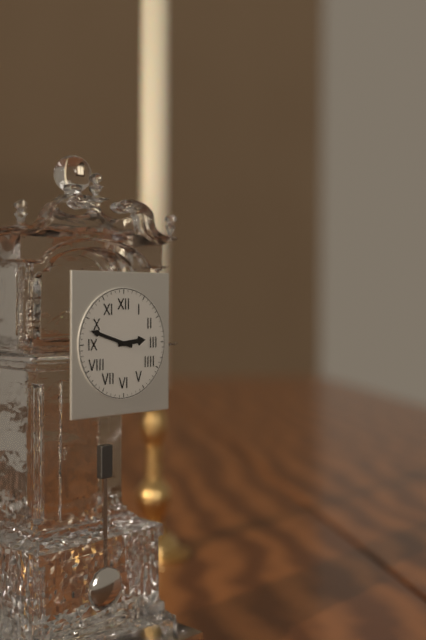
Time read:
2,48
